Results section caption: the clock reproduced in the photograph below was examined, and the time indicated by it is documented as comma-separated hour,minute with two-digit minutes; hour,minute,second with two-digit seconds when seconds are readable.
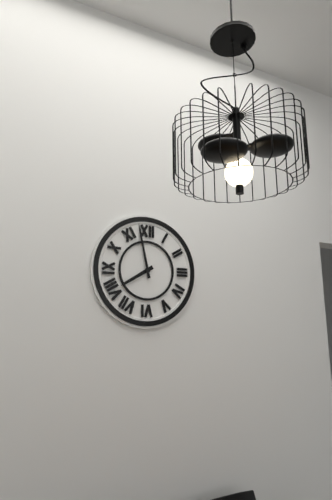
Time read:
7,58
